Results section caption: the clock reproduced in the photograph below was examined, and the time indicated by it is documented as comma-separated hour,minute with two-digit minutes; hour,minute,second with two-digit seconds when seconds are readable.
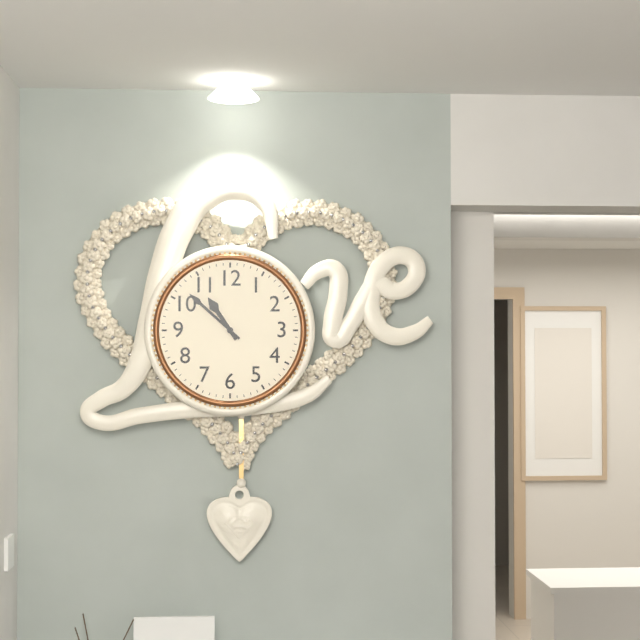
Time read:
10,52
